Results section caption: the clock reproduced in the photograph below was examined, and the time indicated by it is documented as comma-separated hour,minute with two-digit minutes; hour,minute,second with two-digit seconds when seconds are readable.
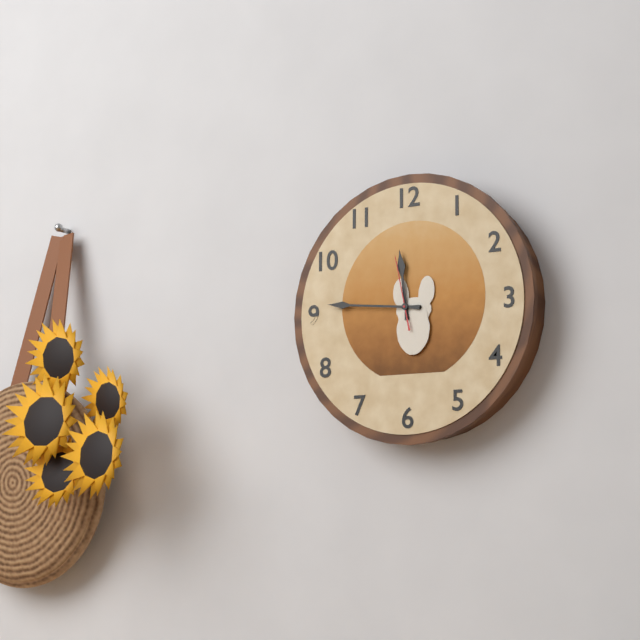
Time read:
11,46,58
